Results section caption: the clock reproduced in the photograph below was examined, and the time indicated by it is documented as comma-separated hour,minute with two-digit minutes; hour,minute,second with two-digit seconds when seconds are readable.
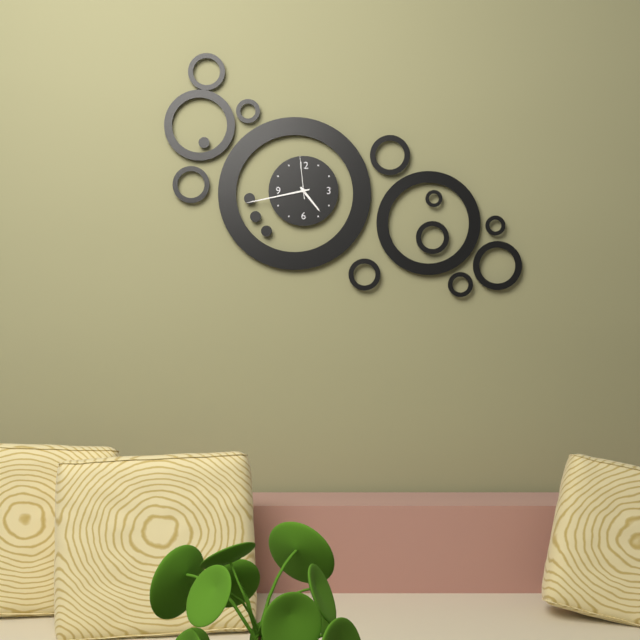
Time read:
4,43
